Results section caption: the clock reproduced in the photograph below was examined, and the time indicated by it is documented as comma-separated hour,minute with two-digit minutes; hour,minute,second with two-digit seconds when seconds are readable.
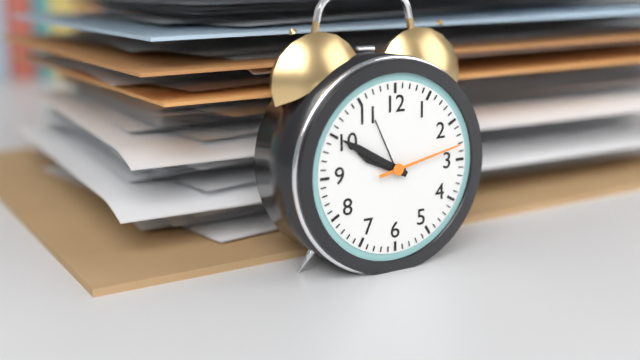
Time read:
9,50,13
